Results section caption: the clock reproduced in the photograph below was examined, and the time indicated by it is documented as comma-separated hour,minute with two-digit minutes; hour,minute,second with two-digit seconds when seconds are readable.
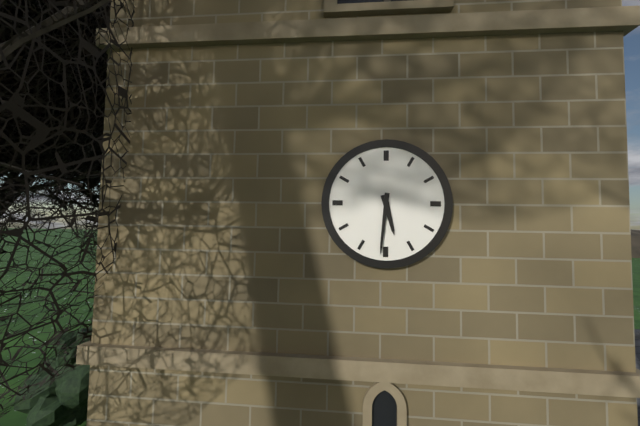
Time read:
5,31
